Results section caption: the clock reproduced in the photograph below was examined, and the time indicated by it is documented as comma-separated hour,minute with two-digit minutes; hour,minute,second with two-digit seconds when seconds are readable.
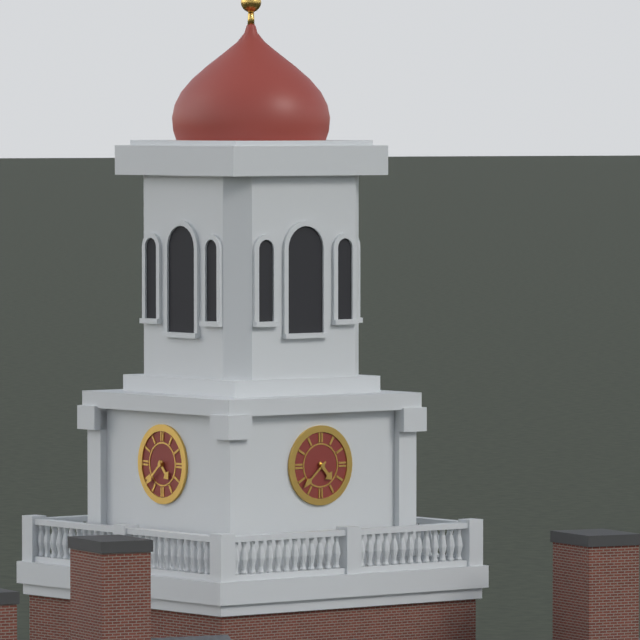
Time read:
4,38
